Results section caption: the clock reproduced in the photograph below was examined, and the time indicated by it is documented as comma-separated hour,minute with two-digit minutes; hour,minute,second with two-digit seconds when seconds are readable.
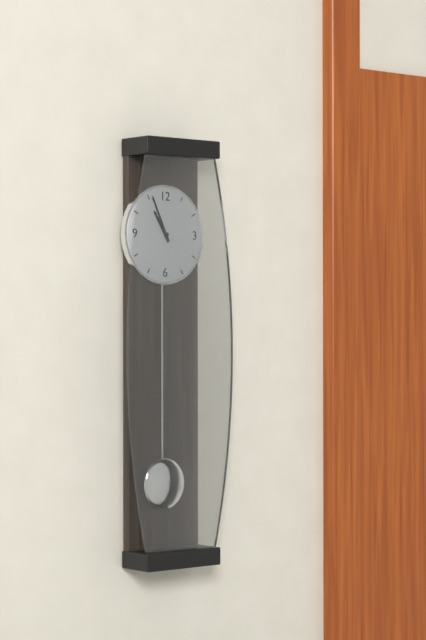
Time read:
10,56
